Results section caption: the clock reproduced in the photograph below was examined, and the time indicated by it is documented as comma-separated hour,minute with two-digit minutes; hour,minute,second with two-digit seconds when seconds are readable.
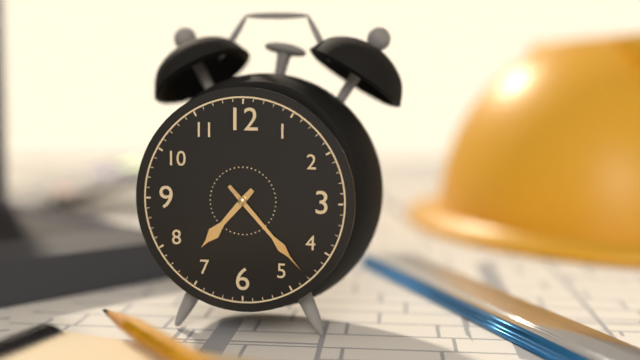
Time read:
7,23
